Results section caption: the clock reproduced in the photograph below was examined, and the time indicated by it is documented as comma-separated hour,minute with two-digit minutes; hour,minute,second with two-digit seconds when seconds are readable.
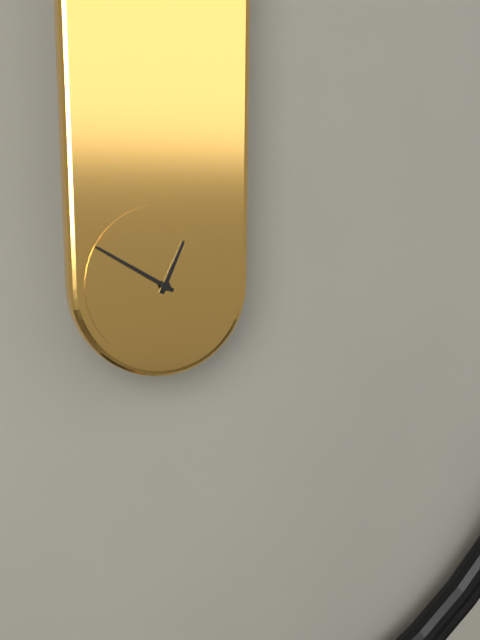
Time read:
12,50
